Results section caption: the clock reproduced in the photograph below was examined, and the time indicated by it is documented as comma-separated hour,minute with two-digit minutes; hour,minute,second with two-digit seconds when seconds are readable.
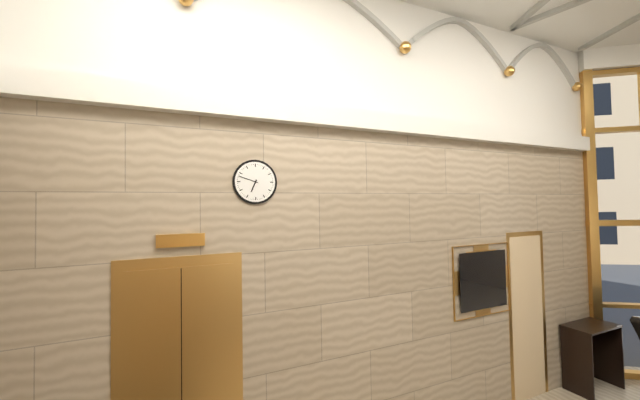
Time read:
6,48
